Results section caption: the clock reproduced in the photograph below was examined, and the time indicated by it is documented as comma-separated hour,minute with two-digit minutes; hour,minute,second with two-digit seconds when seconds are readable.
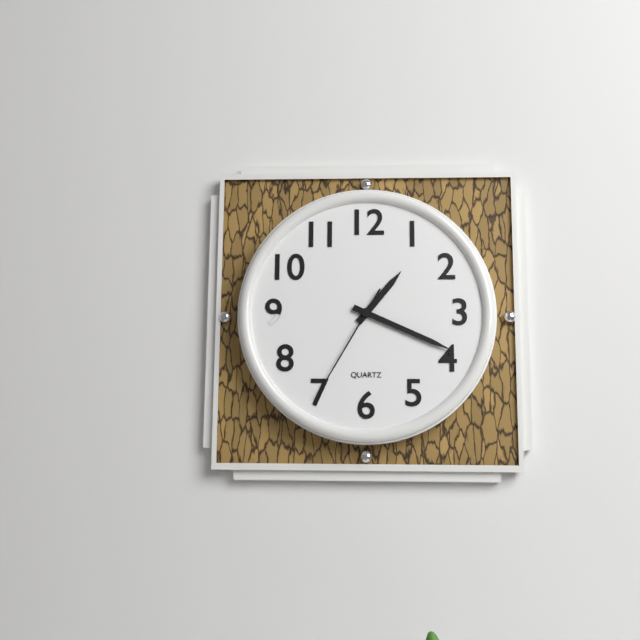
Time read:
1,19,35
